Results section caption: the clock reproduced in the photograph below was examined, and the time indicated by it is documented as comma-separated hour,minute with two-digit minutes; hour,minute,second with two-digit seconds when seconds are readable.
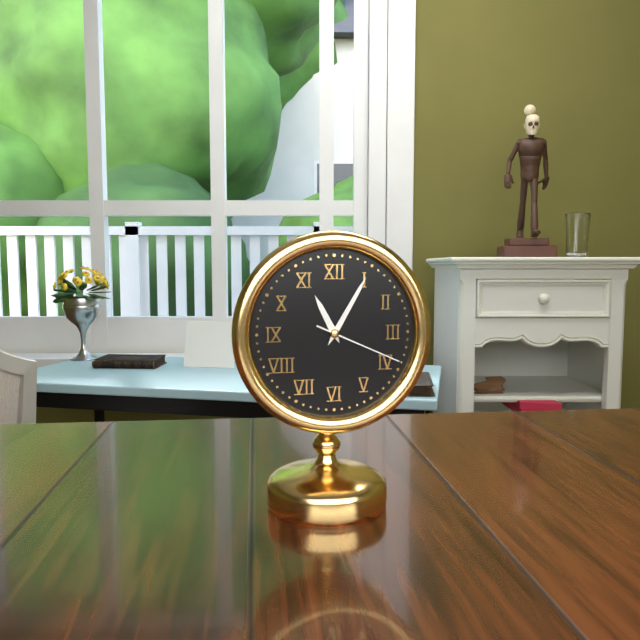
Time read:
11,05,19
